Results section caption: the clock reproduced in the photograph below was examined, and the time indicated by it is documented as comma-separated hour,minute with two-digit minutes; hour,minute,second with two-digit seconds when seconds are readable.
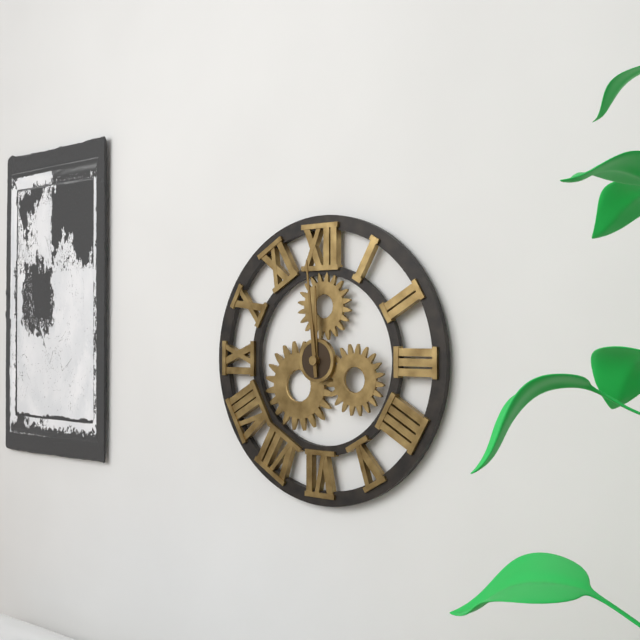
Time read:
11,59
